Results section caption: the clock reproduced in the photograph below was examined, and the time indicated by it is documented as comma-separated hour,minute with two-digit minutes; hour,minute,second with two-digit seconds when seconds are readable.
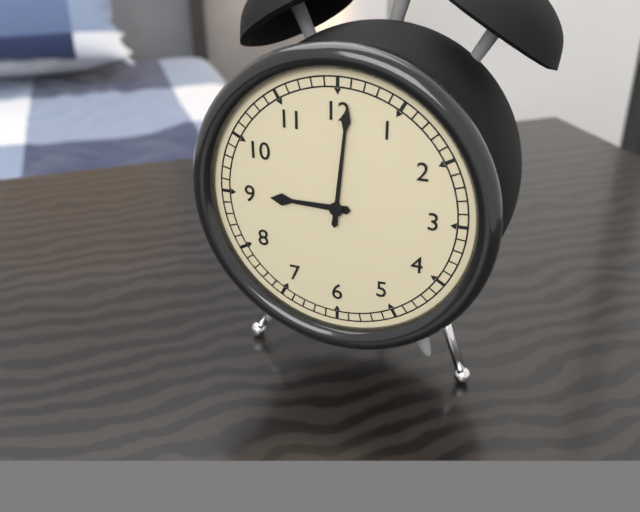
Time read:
9,01
